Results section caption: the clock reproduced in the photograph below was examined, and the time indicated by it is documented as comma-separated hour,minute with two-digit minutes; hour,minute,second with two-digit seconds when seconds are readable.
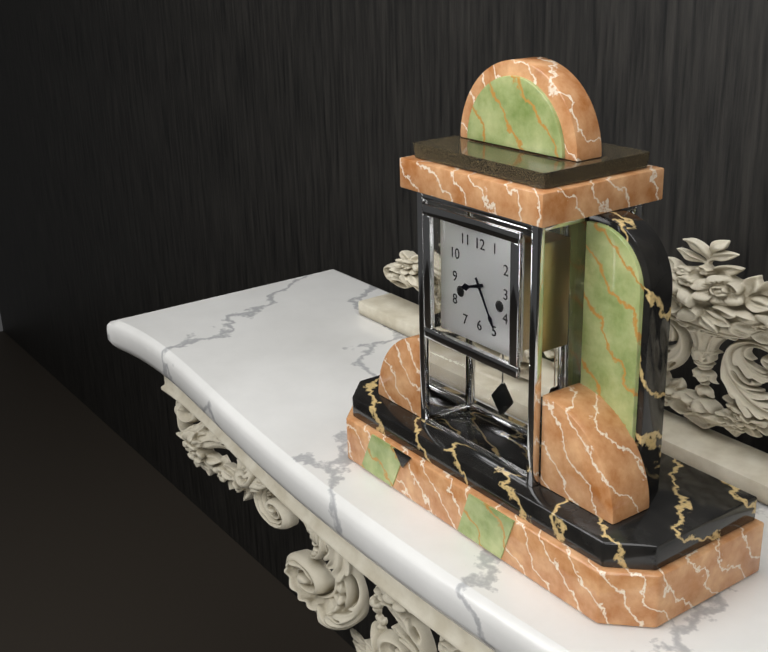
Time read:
8,25
